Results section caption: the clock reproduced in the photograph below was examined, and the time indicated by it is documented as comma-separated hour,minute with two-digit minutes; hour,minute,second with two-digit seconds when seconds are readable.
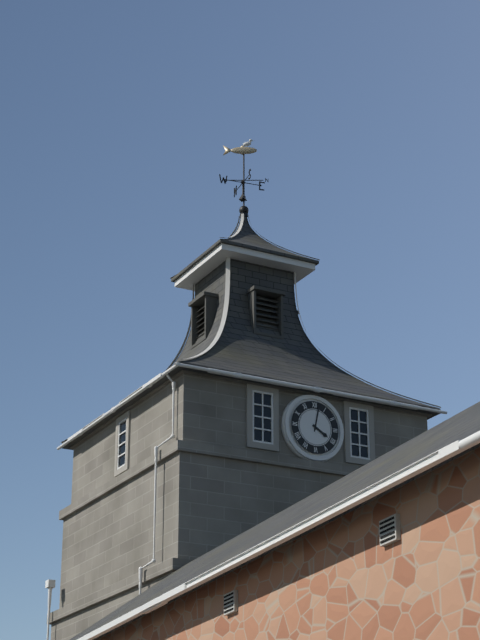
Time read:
4,02
